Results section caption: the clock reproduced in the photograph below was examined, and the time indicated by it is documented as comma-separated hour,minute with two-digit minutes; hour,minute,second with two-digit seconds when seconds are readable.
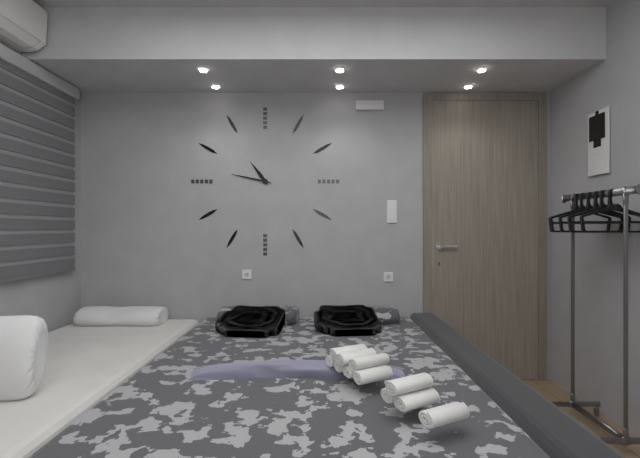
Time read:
10,47
